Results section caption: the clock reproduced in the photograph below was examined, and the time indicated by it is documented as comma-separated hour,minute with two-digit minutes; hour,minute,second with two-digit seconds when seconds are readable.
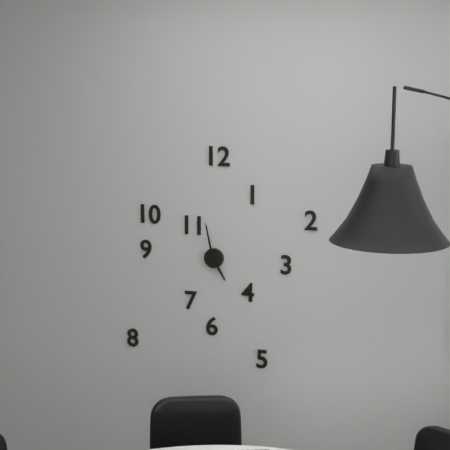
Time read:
4,58
